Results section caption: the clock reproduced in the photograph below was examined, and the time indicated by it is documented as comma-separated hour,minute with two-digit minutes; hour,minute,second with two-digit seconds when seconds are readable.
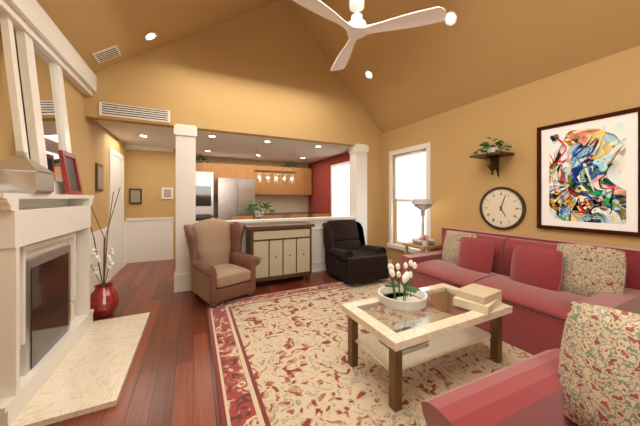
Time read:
5,03
